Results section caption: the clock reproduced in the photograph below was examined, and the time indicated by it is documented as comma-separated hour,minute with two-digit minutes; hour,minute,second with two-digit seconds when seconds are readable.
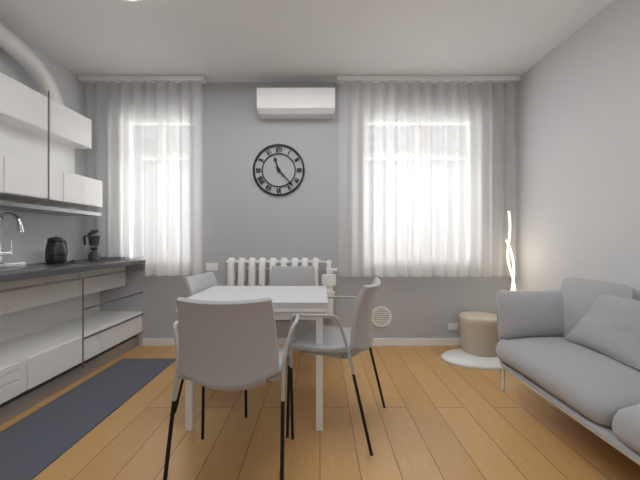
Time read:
11,23
